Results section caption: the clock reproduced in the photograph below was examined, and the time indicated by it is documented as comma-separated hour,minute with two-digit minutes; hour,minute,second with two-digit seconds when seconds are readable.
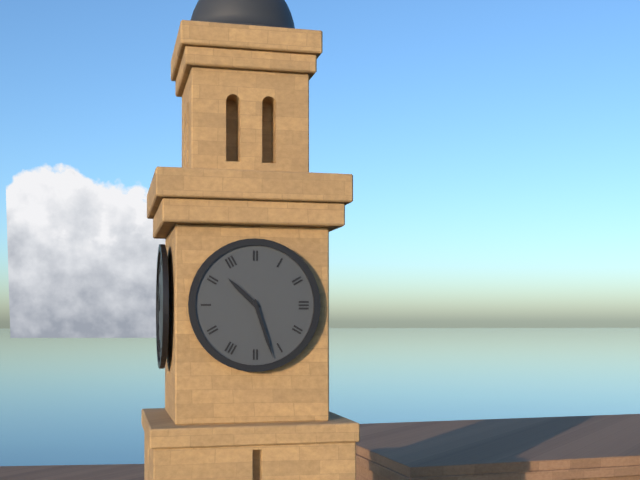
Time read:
10,27
